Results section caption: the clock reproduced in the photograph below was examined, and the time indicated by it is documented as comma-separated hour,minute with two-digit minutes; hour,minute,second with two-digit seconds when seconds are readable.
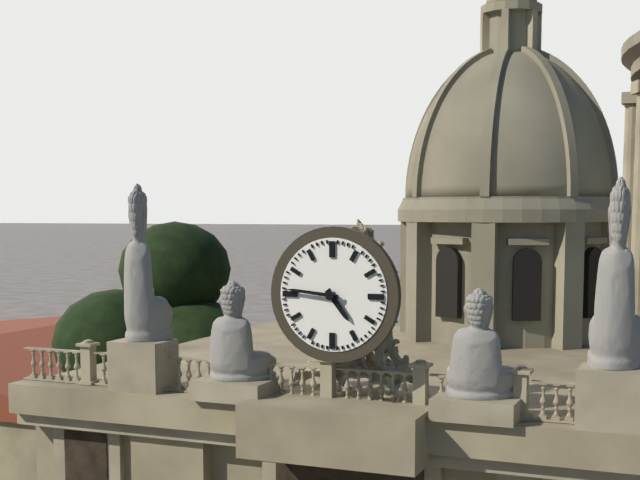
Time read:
4,46
